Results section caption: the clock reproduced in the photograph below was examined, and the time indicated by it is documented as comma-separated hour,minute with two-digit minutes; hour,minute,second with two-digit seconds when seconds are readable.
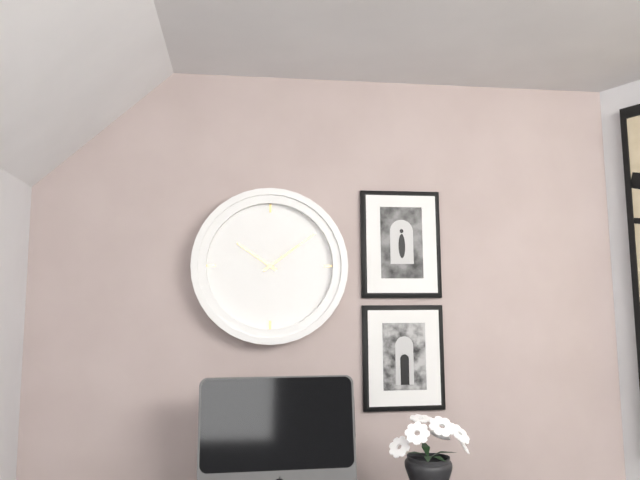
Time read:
10,09
